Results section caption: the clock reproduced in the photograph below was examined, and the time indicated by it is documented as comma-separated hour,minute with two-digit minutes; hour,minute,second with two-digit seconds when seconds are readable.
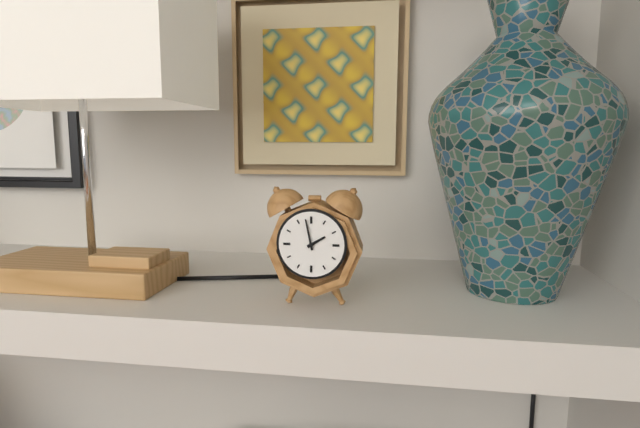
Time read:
1,58
